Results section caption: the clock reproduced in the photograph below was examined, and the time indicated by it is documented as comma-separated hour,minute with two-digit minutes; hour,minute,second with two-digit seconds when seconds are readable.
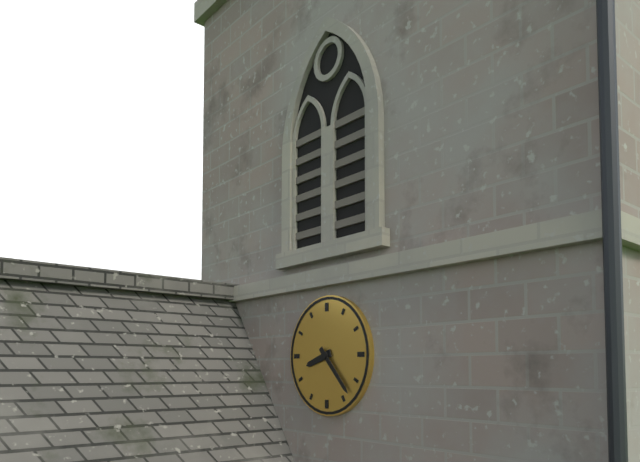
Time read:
8,23
